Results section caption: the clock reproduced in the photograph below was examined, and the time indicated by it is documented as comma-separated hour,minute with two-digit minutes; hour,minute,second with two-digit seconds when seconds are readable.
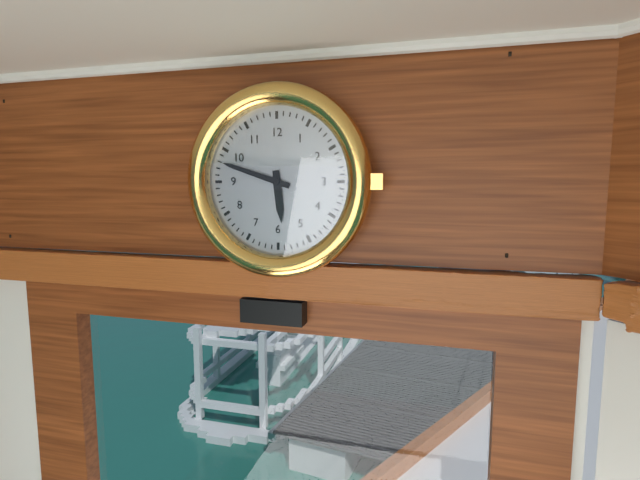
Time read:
5,48
